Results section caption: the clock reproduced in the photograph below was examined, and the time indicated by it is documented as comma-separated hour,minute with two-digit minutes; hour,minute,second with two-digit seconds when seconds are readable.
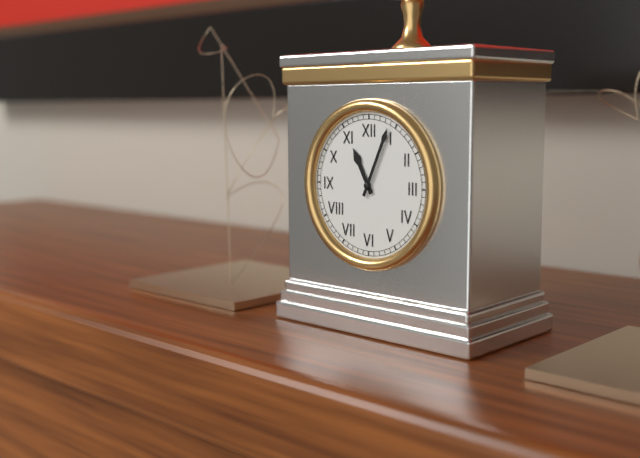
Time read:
11,04
